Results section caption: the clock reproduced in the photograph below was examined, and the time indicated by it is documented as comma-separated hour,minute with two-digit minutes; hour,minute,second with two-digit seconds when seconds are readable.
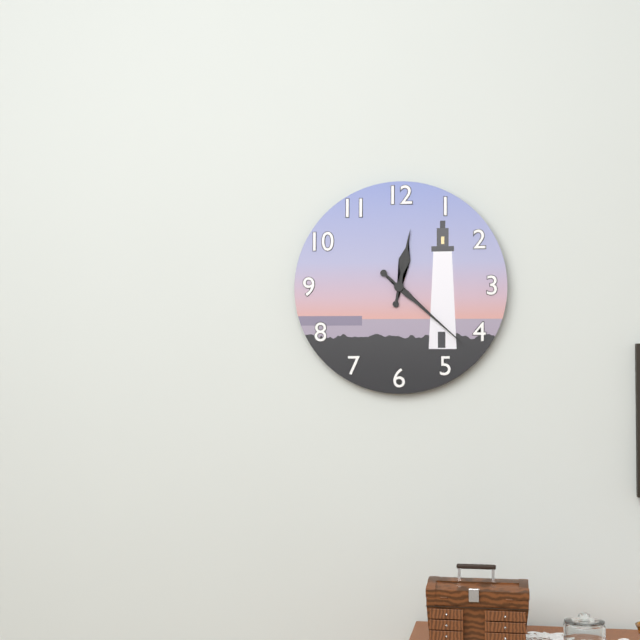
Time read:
12,22
